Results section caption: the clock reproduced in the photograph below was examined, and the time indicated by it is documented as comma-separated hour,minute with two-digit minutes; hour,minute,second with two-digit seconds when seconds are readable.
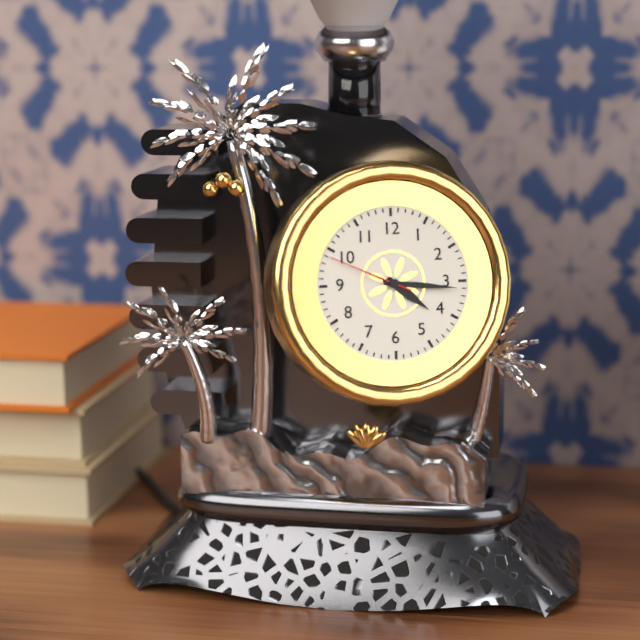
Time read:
4,16,49
